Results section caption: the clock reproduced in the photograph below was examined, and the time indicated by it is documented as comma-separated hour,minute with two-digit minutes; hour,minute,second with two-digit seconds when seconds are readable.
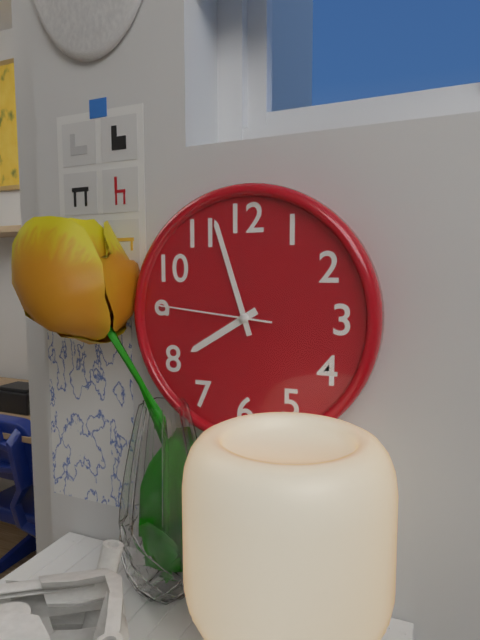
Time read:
7,57,46
